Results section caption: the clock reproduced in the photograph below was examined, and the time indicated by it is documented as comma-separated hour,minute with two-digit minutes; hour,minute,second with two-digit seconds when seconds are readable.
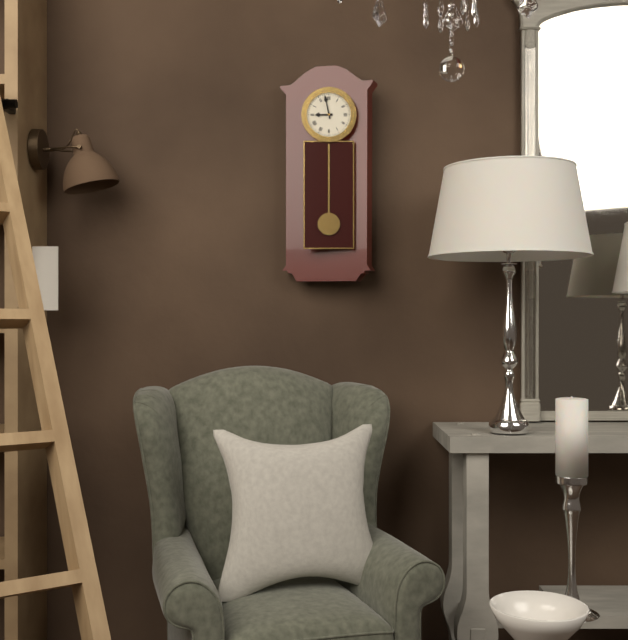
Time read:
8,58
